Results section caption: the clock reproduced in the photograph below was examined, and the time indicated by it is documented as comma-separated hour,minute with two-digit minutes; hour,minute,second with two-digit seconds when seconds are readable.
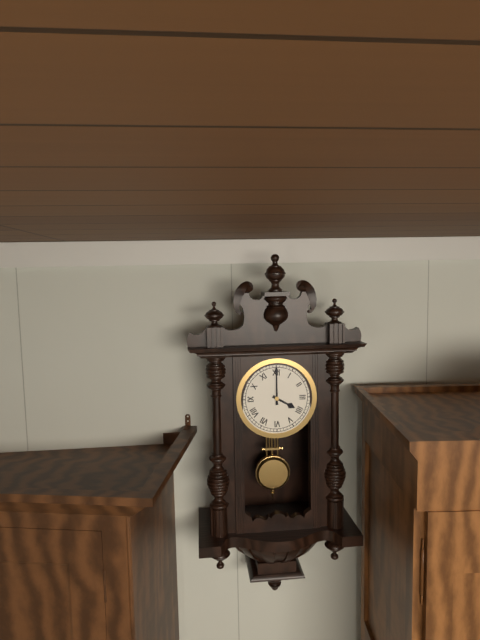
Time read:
4,00
